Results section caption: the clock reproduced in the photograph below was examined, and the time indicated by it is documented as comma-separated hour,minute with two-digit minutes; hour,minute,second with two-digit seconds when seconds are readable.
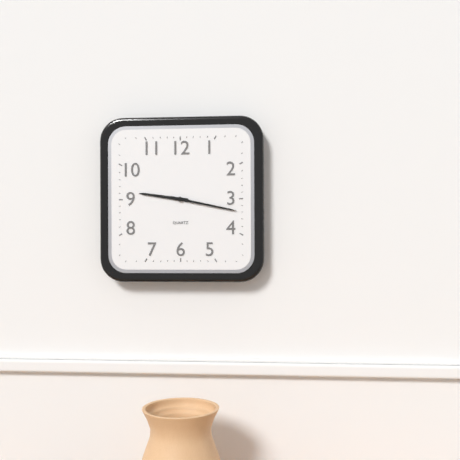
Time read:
9,17
